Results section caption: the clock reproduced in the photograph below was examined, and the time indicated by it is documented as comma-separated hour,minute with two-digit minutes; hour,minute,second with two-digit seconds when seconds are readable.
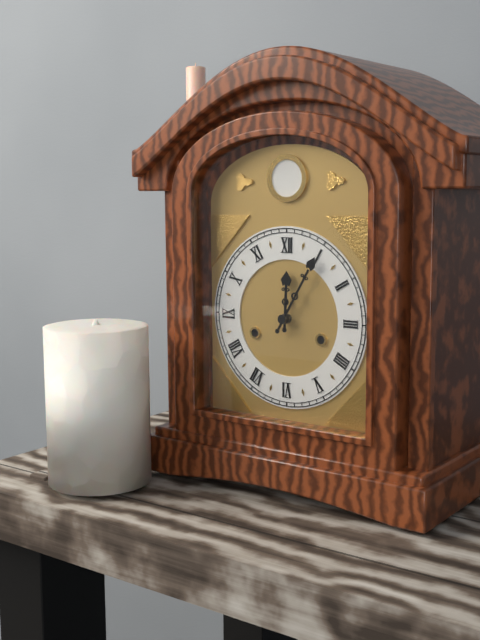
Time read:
12,05
